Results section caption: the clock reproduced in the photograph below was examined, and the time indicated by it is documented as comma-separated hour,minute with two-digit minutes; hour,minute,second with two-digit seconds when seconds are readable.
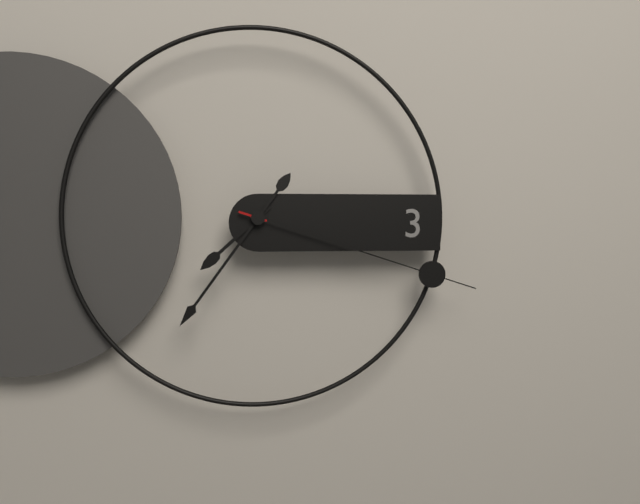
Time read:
7,36,18
